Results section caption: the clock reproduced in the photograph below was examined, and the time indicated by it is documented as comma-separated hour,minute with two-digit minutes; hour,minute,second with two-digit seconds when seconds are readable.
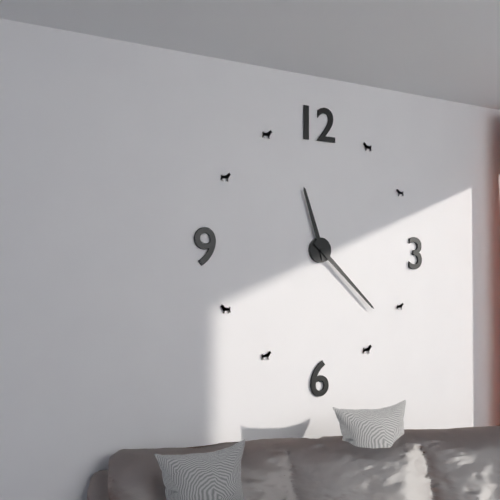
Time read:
11,22
